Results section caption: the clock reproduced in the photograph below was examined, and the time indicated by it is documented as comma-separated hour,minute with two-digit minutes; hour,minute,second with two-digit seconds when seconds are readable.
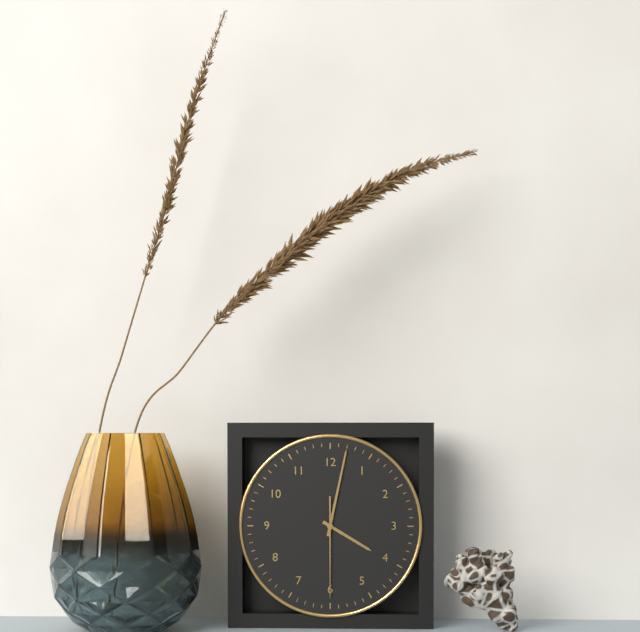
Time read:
4,02,30
